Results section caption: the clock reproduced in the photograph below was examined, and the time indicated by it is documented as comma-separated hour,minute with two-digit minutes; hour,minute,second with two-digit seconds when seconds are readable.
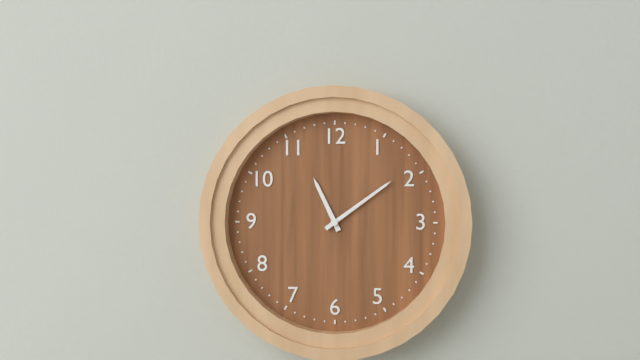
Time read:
11,09
